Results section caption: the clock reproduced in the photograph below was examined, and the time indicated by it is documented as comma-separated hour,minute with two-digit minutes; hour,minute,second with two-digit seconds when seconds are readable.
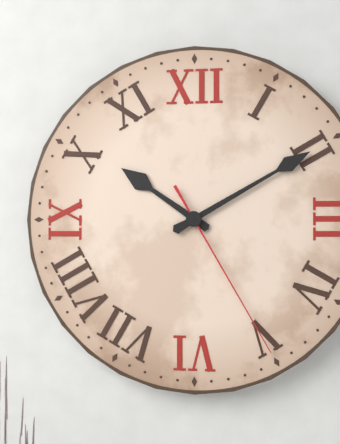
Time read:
10,10,25
